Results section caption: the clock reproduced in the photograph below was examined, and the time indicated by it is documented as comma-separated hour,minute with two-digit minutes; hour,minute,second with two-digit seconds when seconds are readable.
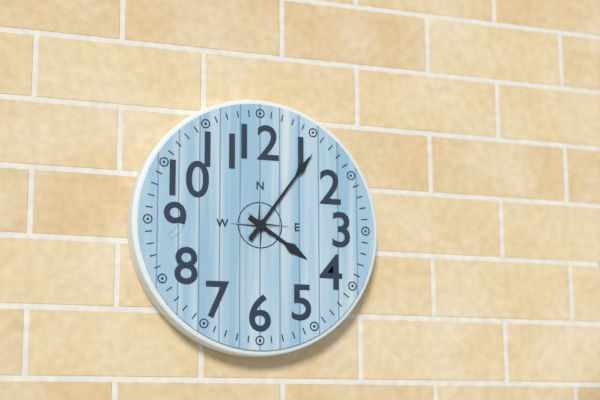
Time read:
4,06
